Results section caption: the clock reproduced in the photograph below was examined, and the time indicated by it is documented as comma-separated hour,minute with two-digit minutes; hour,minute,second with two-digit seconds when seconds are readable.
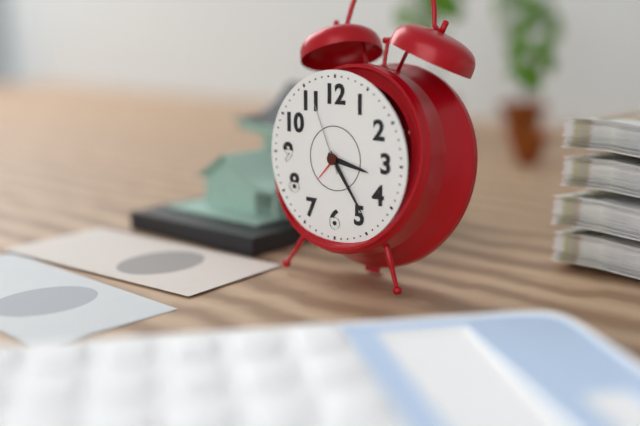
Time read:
3,24,56
